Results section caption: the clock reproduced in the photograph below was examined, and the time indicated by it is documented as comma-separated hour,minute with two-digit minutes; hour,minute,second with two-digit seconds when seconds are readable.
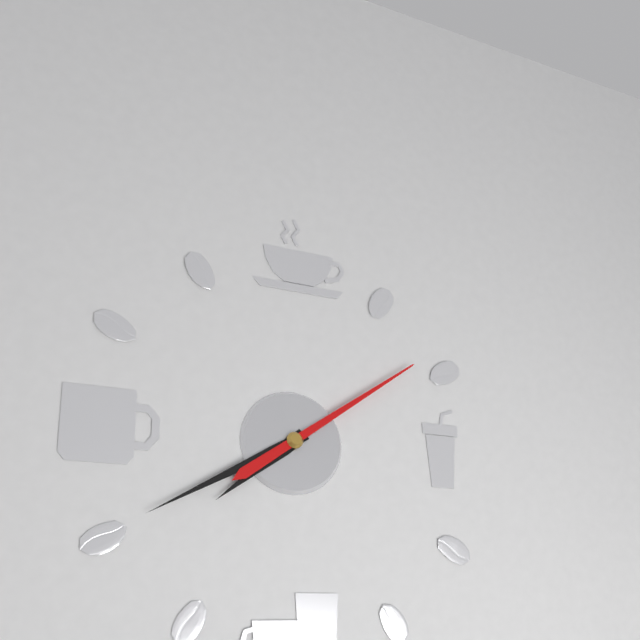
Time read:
7,40,09
